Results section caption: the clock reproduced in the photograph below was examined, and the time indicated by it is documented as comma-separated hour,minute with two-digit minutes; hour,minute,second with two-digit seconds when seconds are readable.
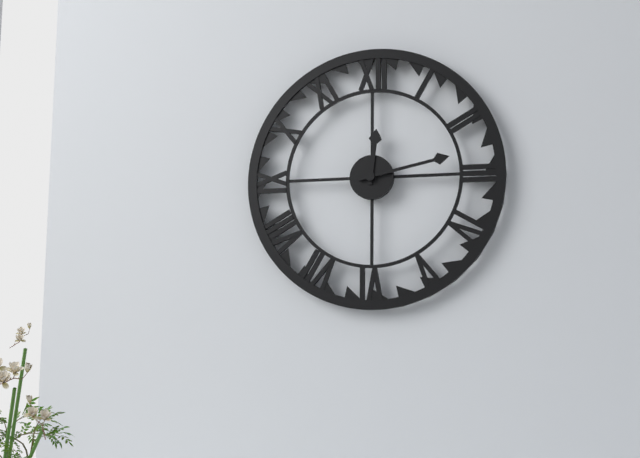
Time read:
12,13
